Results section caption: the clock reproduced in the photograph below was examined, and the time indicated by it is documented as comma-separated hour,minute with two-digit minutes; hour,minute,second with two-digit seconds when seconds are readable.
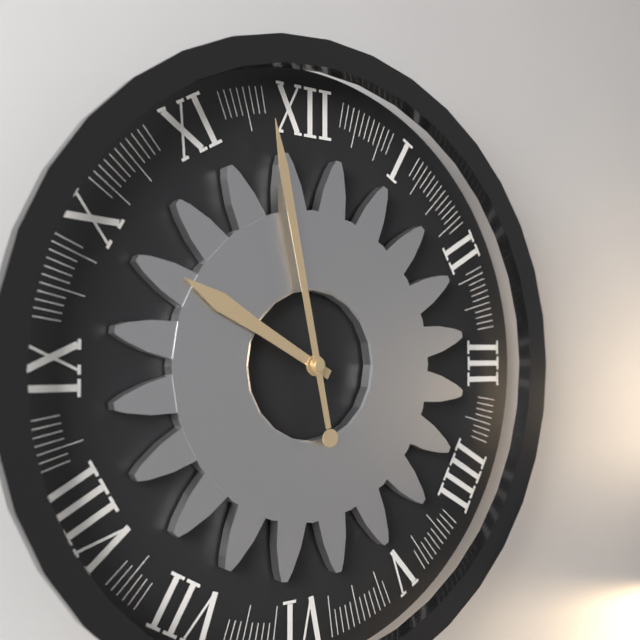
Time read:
9,58
